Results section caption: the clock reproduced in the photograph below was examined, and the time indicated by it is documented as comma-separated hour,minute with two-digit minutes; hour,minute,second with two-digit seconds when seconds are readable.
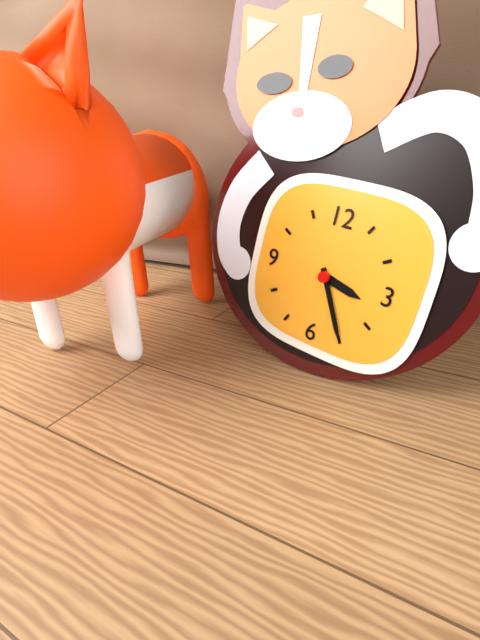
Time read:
3,25
